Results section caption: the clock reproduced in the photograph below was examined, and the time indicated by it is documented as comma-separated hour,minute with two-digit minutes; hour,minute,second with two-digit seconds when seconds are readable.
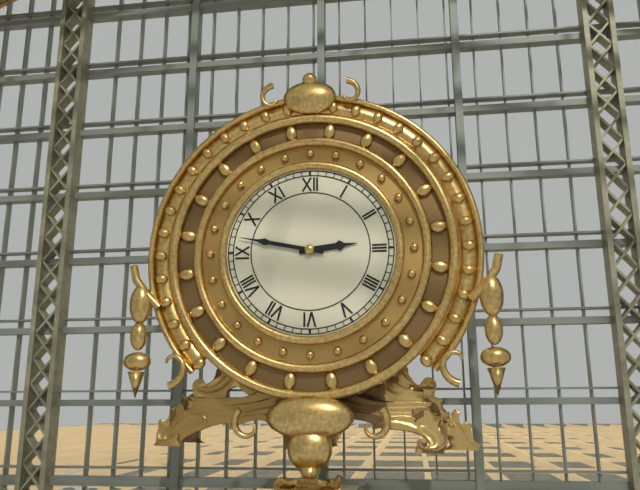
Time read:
2,47
